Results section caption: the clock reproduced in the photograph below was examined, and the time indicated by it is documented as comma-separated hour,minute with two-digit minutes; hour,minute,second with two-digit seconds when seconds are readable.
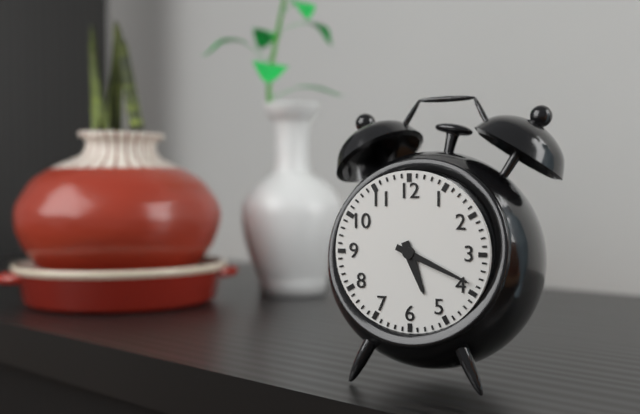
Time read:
5,19
